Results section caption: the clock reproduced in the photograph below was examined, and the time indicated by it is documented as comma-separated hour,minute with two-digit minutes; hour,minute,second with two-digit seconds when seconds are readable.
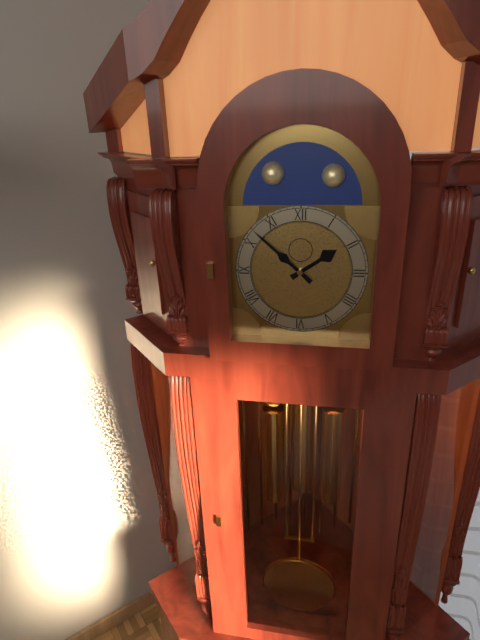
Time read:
1,52
